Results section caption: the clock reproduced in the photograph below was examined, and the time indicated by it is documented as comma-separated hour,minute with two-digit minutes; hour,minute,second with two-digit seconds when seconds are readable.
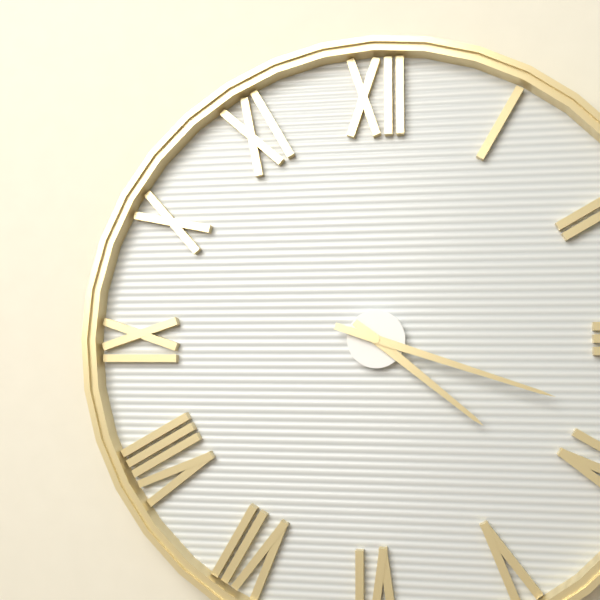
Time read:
4,18
